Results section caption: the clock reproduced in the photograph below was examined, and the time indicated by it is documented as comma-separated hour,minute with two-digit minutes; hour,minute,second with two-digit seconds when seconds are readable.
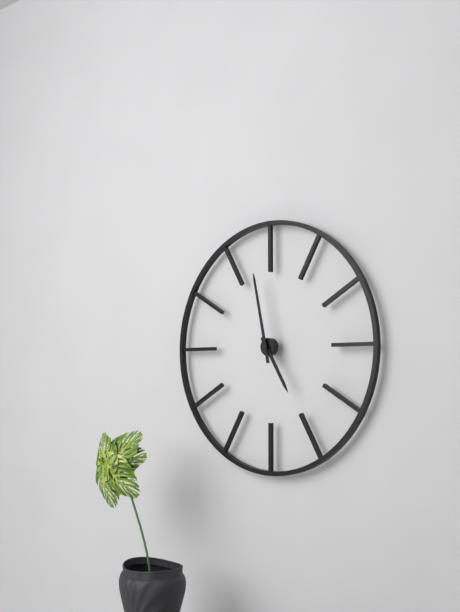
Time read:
4,58
